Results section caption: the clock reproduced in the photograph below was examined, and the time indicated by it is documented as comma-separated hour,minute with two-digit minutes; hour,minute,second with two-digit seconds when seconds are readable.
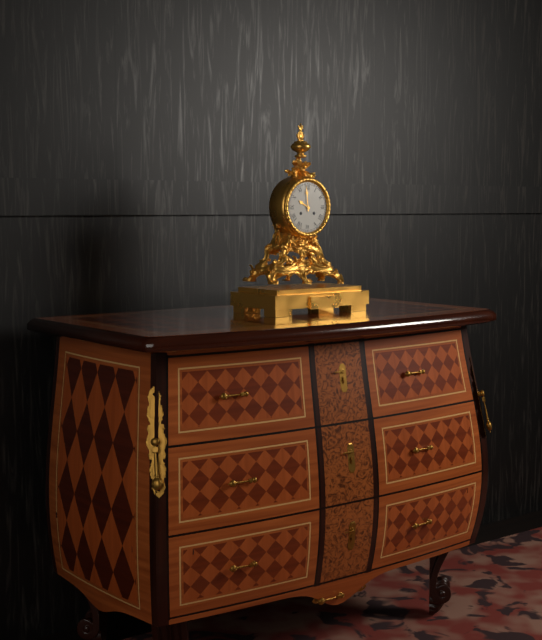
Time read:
9,59
